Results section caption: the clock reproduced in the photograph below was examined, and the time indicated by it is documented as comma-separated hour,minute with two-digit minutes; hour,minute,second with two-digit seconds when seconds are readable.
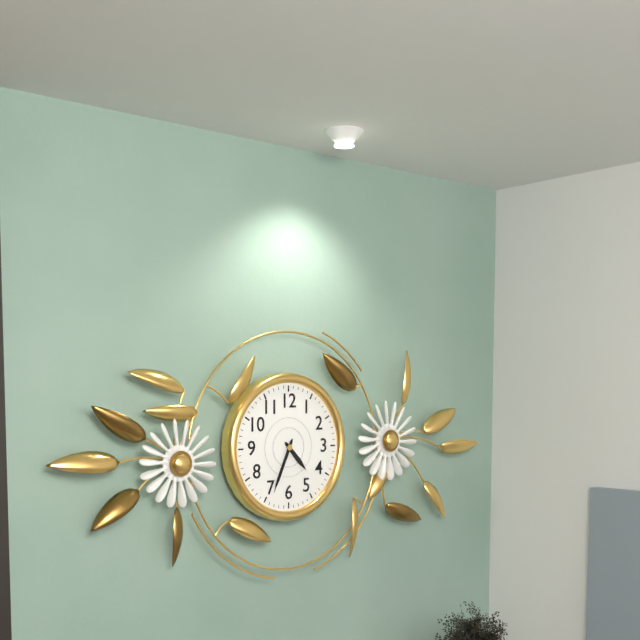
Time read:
4,34
